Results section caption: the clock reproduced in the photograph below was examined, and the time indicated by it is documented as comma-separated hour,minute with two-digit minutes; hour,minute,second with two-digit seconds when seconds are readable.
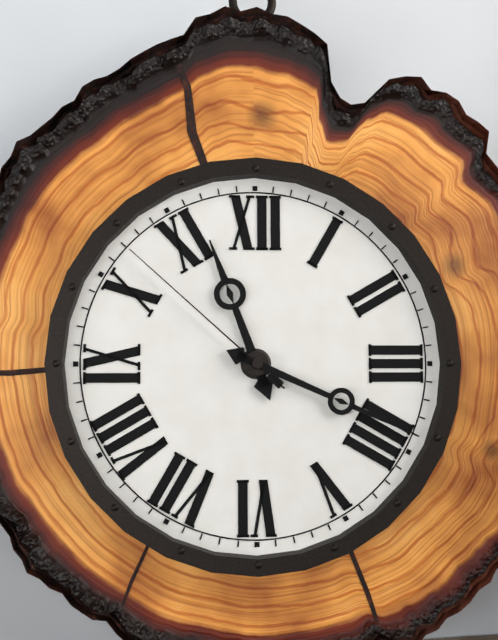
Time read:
11,19,52
